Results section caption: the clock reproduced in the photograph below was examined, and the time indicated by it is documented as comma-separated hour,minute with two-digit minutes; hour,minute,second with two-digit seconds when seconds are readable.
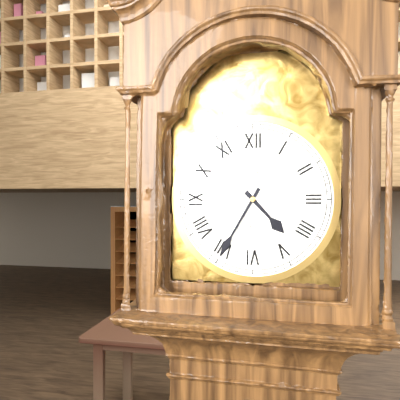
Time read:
4,35
